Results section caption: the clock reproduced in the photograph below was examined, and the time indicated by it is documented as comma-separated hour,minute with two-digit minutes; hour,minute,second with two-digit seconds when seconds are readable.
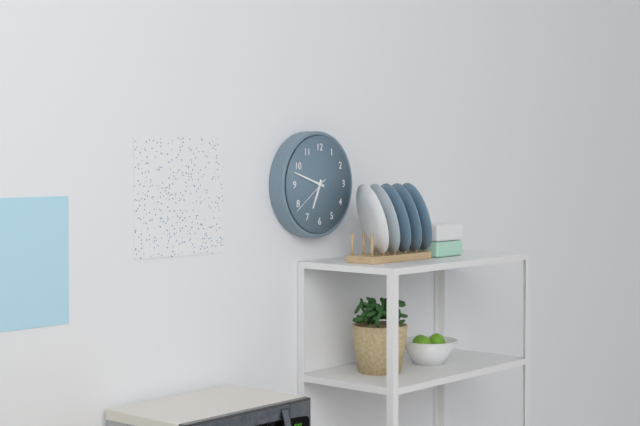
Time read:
6,48
